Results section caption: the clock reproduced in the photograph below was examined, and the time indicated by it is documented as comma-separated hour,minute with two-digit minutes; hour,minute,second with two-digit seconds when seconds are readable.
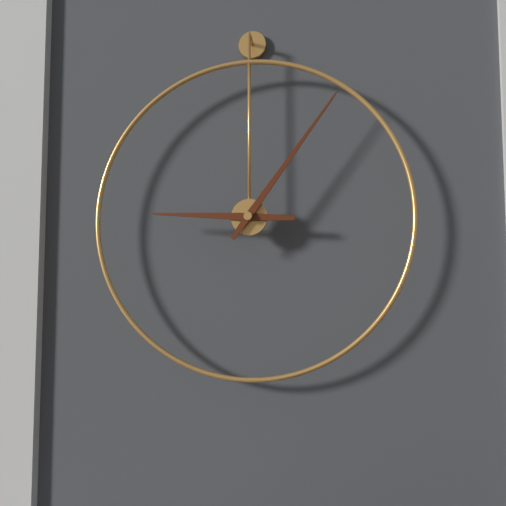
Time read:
9,06
